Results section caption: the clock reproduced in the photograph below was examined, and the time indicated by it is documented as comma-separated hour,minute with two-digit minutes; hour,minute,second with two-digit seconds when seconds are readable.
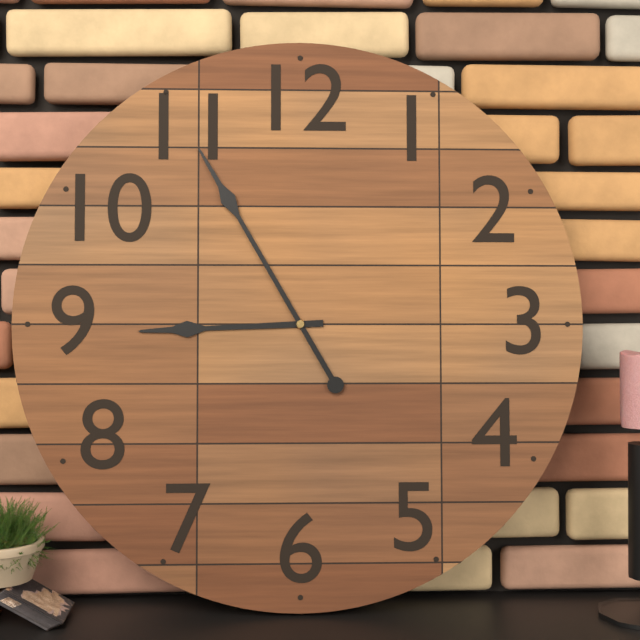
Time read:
8,55
